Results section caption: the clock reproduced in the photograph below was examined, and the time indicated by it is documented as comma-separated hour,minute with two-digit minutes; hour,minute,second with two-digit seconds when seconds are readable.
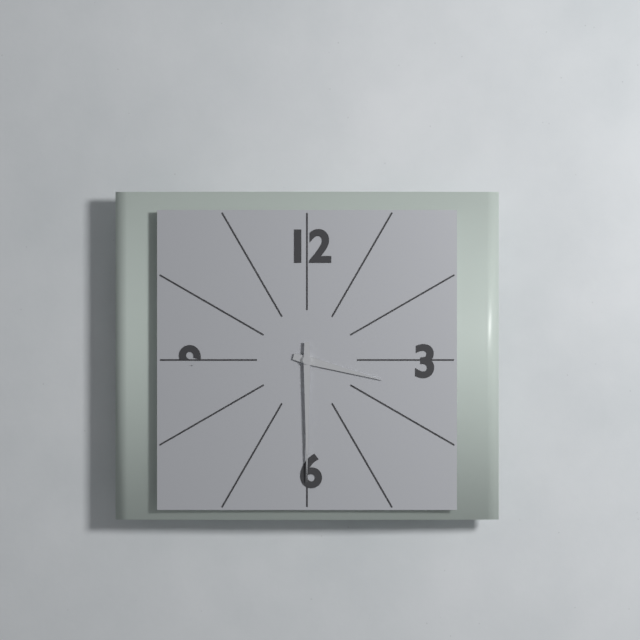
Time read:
3,30
